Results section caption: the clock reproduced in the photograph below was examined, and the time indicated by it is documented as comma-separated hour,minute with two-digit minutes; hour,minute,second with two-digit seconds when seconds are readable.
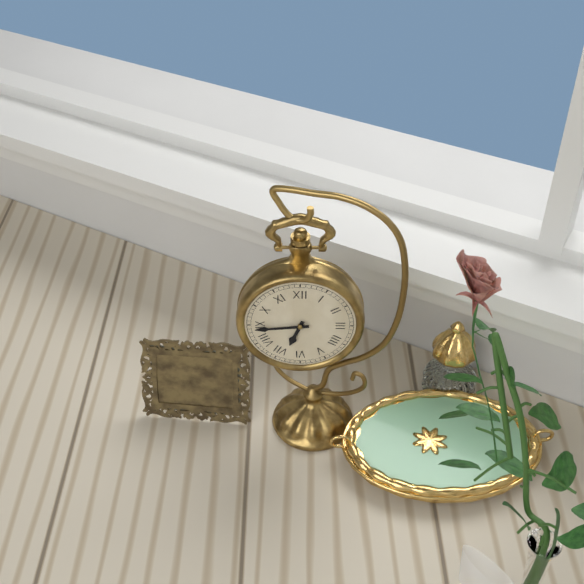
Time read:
6,44
